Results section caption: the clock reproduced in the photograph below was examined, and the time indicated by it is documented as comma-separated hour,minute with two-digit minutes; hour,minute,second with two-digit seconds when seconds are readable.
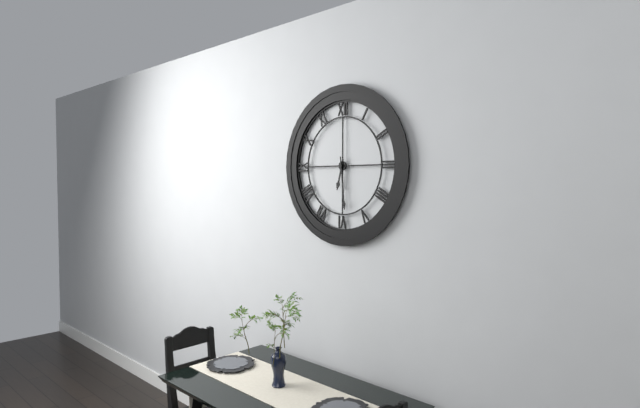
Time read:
6,29
